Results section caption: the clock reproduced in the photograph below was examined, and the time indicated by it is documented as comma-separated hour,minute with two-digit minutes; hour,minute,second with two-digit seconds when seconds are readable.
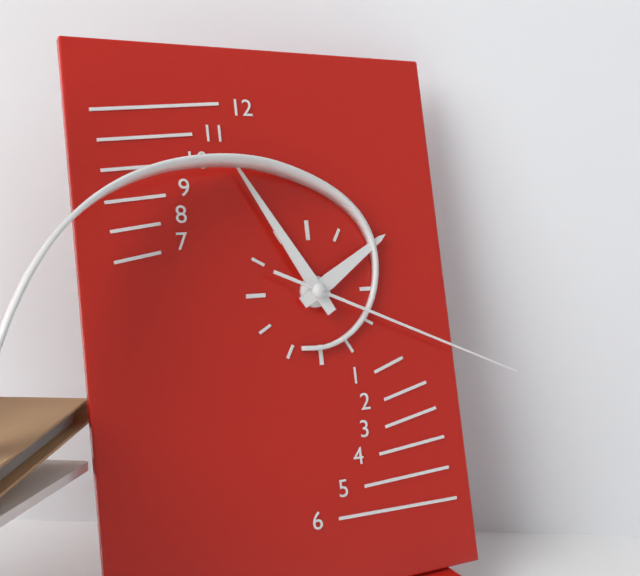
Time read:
1,55,19
